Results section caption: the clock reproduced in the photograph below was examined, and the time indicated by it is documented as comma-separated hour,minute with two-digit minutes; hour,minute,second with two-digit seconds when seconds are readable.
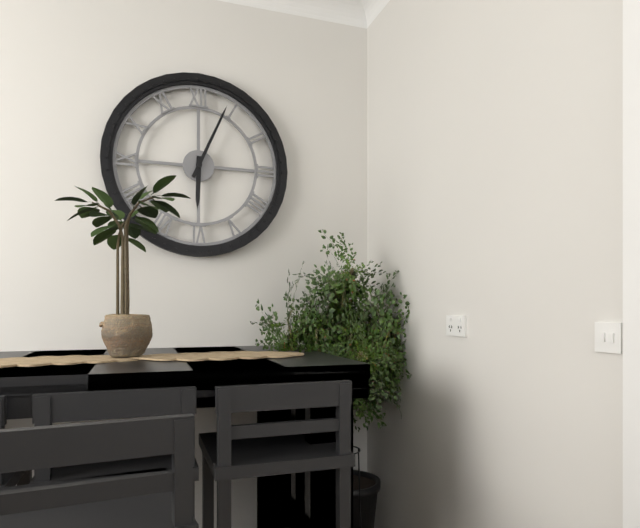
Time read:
6,04
